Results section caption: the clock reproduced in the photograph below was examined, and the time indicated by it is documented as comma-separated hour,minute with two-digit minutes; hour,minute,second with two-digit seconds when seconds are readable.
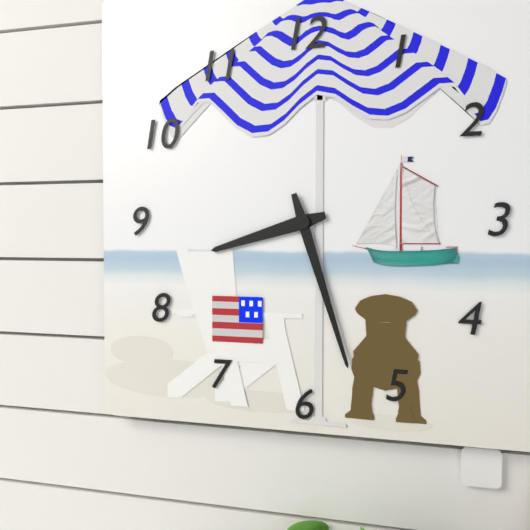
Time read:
8,27
